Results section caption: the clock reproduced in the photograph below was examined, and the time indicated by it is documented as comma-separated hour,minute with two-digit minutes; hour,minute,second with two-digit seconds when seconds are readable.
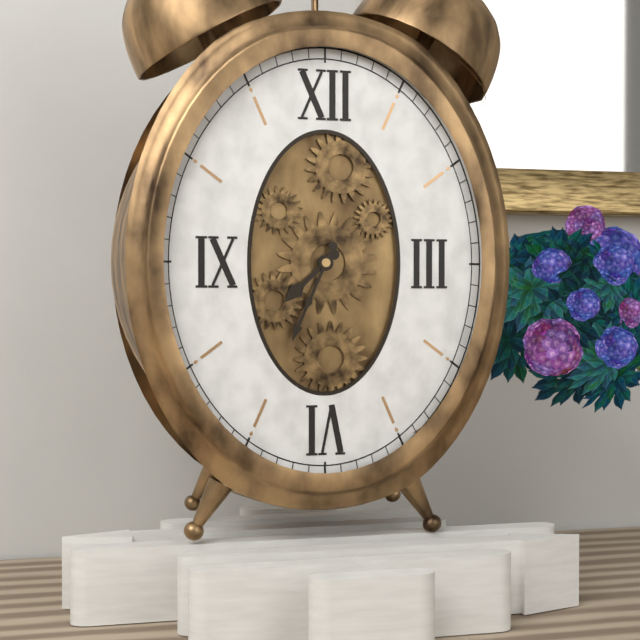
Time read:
7,34
